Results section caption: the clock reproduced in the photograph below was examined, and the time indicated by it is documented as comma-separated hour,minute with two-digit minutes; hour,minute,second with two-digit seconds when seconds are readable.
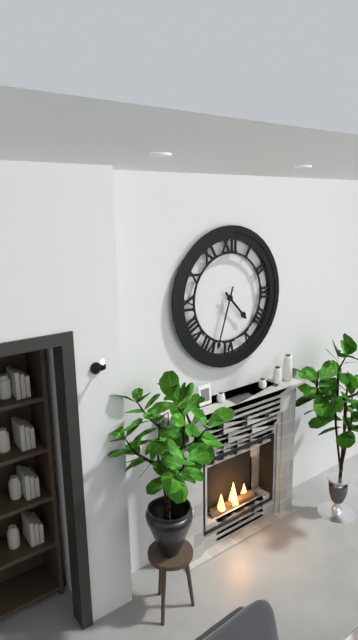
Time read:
4,33
